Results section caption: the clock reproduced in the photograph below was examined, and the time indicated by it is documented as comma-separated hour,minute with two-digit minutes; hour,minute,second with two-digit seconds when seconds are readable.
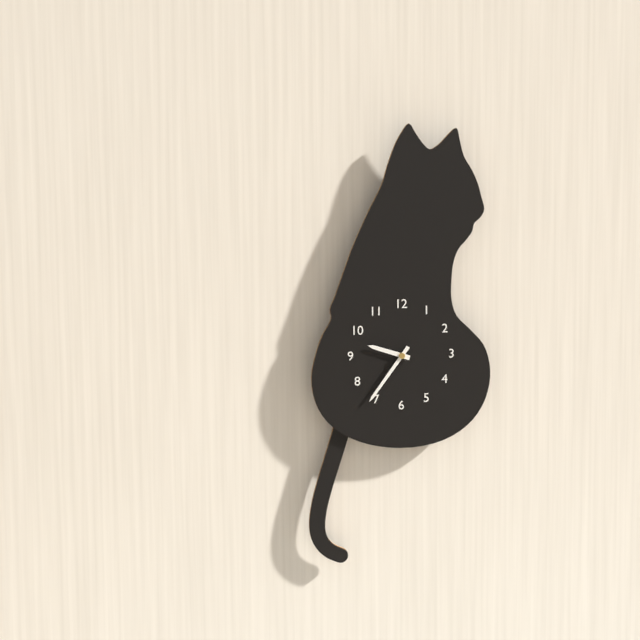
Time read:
9,36
